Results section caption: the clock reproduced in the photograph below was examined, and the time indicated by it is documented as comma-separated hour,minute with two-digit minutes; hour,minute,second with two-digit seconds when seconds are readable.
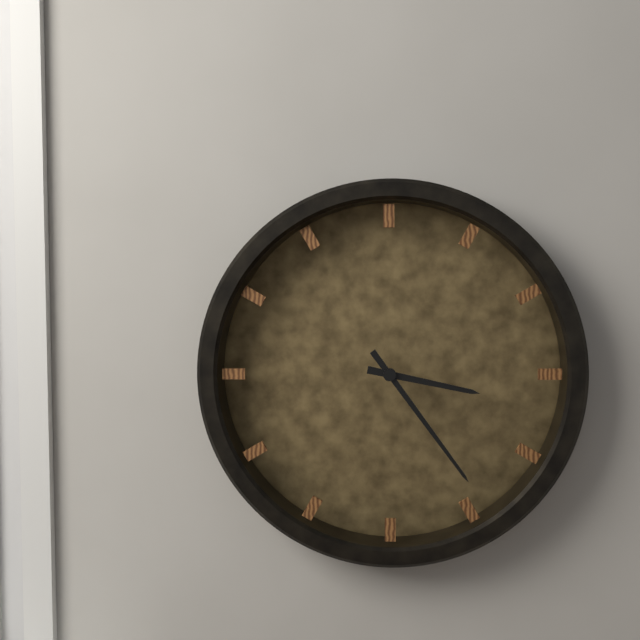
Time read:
3,24
